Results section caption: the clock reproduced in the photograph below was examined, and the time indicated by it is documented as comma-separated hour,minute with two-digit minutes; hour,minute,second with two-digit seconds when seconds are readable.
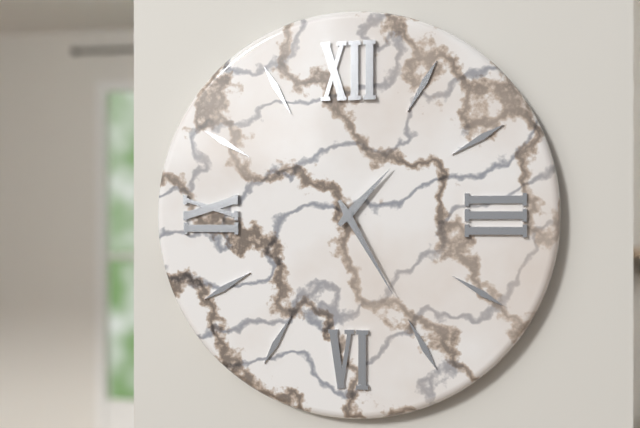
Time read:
1,25
